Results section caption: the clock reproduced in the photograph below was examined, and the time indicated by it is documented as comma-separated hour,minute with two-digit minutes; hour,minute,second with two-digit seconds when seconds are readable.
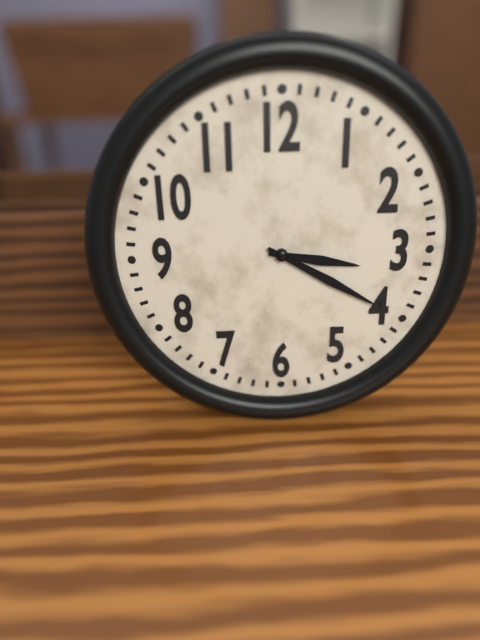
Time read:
3,20
